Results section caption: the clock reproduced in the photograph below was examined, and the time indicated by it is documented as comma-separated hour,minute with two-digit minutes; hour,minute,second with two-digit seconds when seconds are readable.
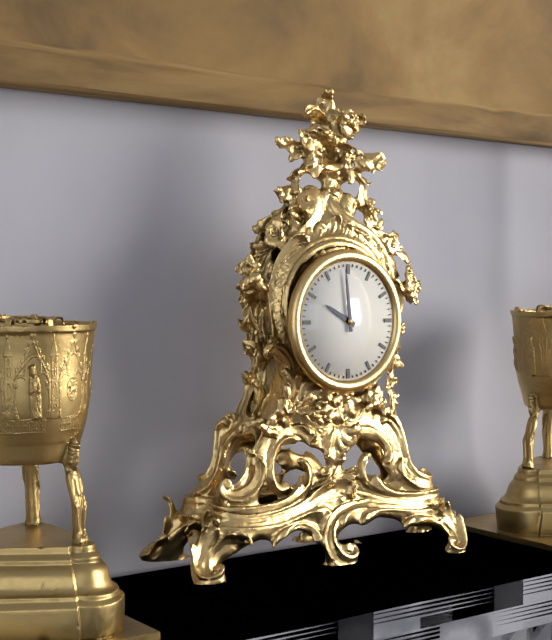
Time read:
9,59
